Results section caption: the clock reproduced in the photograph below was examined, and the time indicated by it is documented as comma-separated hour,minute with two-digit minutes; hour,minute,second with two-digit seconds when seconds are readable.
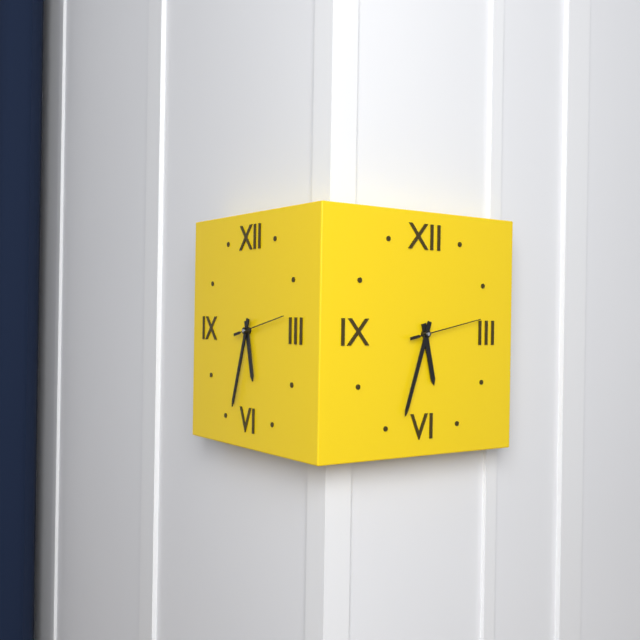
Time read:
5,33,13
